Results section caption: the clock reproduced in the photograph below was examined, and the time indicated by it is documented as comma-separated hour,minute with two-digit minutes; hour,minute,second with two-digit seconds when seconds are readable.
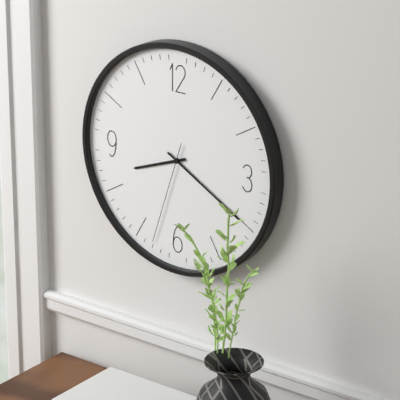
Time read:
8,20,33
